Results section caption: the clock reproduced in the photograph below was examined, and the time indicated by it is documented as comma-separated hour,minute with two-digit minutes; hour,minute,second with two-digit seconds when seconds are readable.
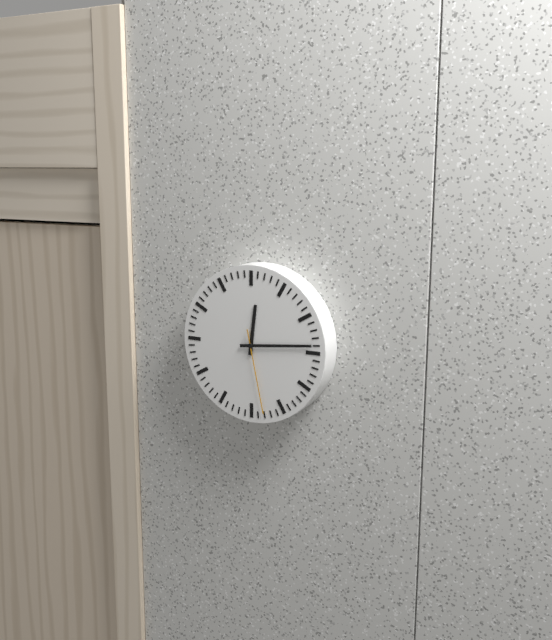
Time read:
12,14,28
